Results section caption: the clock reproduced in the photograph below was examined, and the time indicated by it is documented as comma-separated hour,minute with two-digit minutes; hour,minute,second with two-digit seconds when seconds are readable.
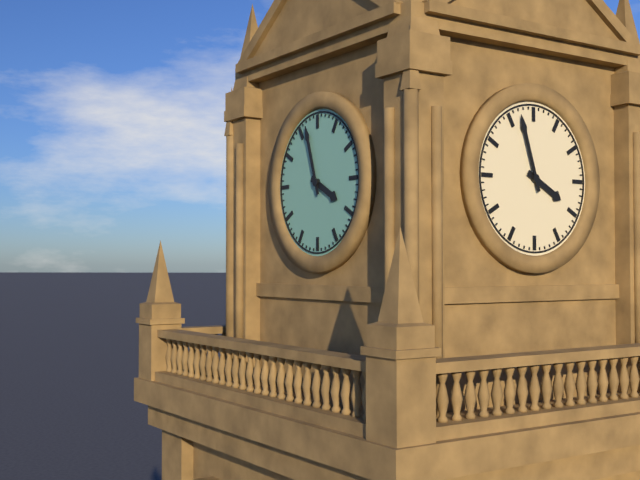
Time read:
3,57
